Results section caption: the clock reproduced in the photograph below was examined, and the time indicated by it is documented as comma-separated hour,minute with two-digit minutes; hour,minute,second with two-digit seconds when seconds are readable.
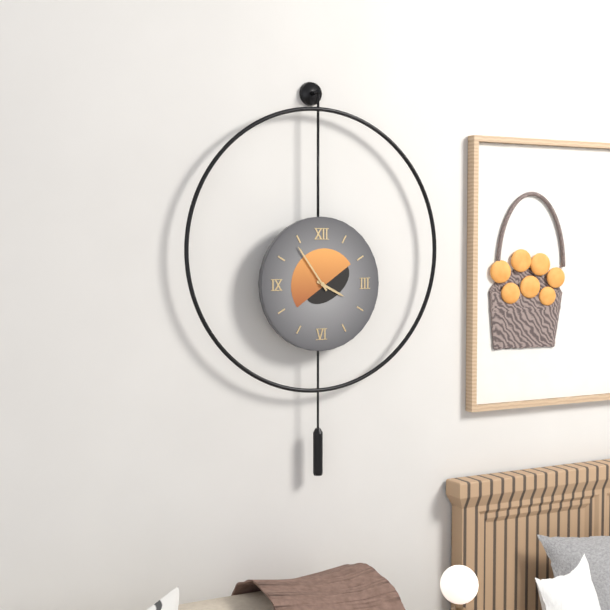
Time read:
3,54
